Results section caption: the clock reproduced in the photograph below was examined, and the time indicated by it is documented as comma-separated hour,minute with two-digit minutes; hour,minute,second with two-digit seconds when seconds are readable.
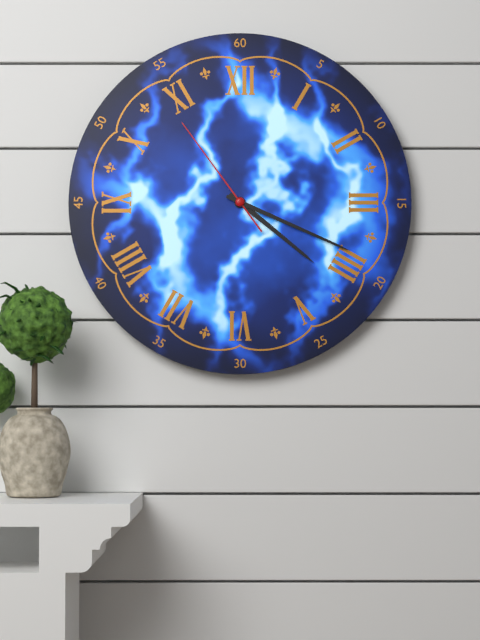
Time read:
4,19,54
